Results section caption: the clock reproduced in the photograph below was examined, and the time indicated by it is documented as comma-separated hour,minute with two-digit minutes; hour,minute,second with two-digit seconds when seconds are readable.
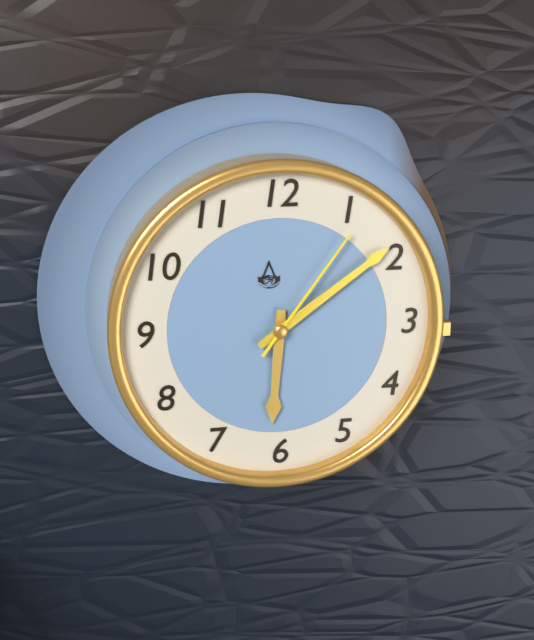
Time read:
6,09,06
